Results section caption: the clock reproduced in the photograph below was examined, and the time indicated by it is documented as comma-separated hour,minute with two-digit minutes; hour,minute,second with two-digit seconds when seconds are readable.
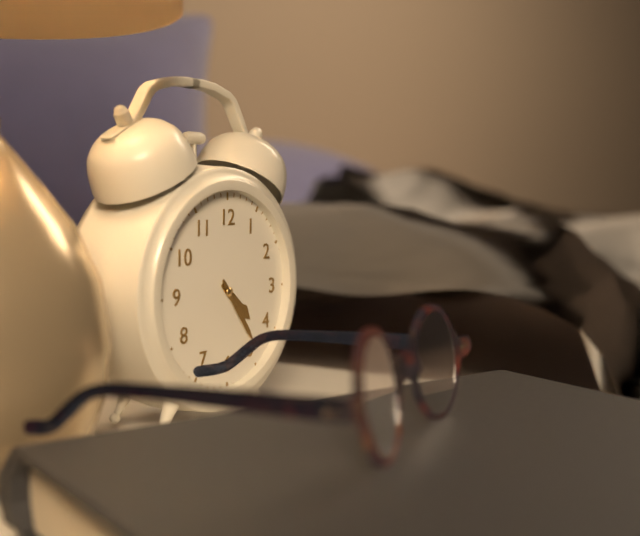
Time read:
4,24
